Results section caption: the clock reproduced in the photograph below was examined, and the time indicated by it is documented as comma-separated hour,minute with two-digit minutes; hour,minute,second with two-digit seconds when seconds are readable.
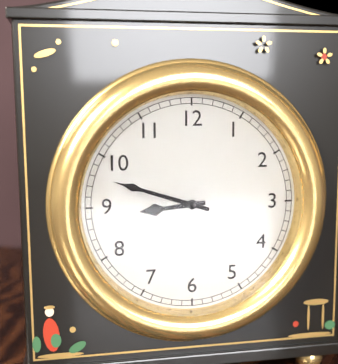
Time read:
8,48
